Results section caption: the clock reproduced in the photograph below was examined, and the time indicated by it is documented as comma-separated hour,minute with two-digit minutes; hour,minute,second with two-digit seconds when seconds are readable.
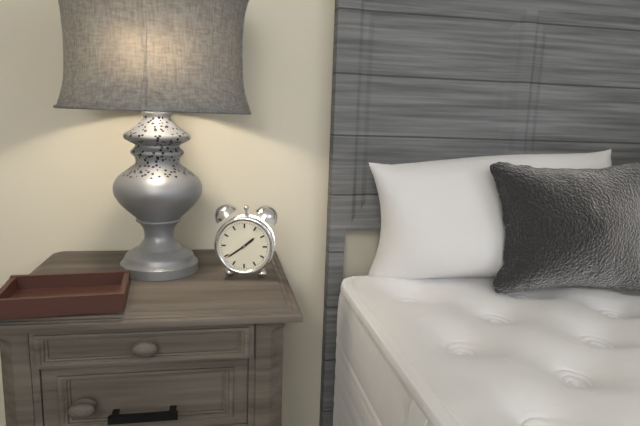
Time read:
1,39
